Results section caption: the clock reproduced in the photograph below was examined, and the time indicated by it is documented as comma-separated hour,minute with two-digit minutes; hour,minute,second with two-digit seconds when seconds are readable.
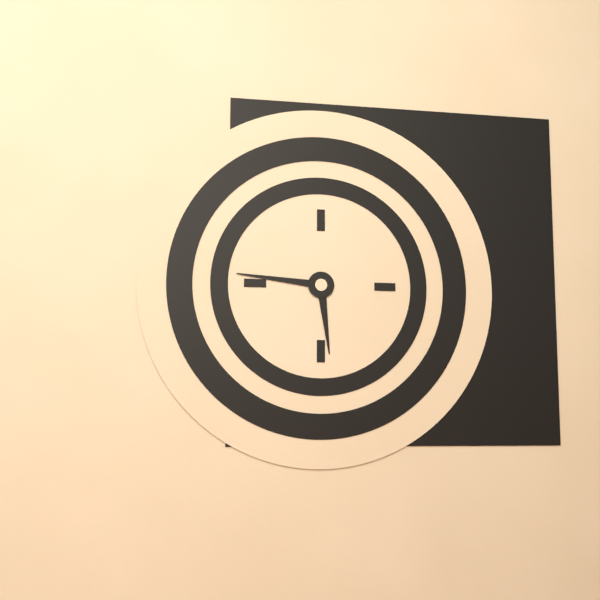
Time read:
5,46
